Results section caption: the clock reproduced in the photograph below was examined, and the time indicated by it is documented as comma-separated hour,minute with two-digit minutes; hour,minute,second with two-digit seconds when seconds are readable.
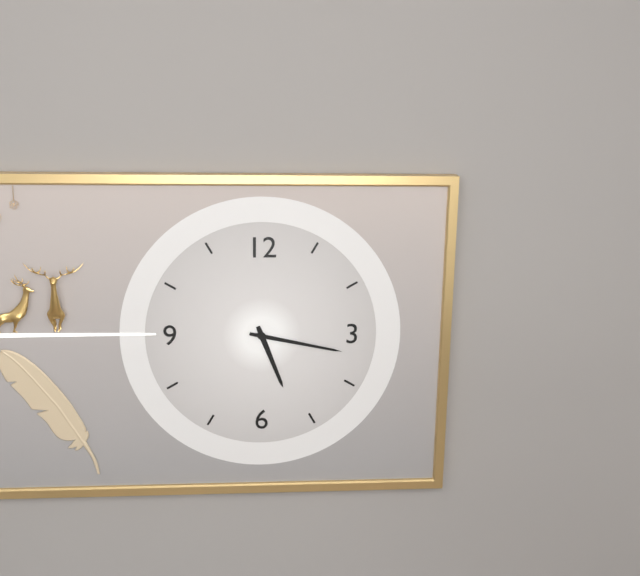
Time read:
5,17
